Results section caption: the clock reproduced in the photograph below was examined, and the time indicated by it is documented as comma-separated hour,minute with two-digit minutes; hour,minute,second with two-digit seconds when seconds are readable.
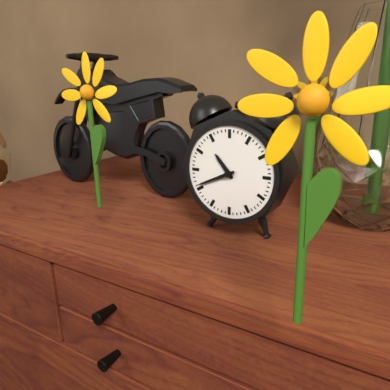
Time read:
10,41
